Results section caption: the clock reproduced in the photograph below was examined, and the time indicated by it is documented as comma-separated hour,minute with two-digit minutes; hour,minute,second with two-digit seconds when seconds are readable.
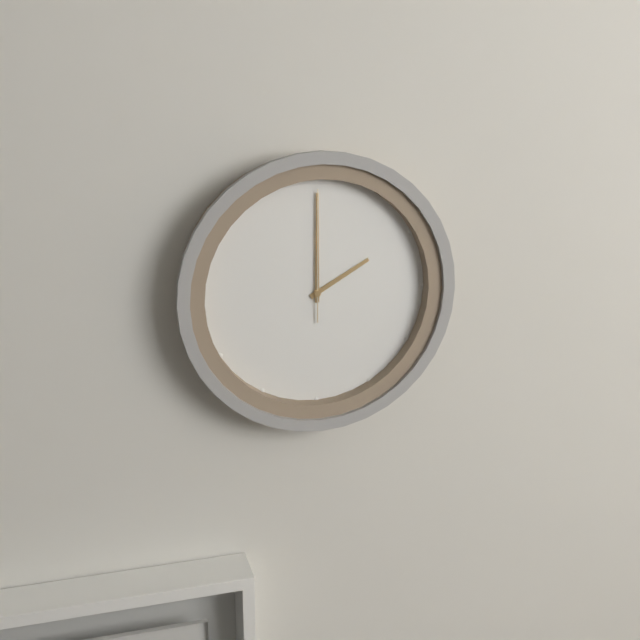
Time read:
2,00,00
